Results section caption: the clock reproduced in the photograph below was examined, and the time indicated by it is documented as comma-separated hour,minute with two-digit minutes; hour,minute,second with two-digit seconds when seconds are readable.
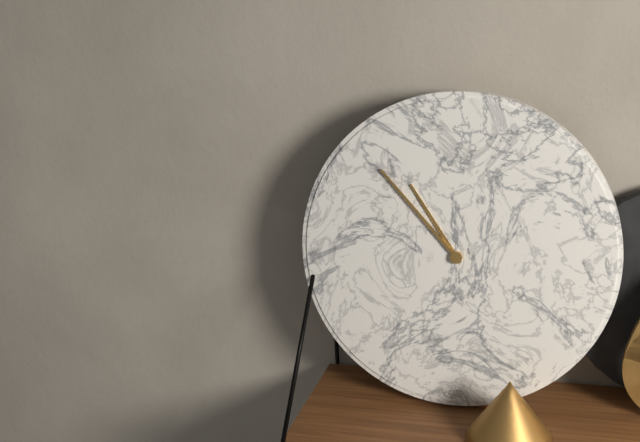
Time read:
10,53
